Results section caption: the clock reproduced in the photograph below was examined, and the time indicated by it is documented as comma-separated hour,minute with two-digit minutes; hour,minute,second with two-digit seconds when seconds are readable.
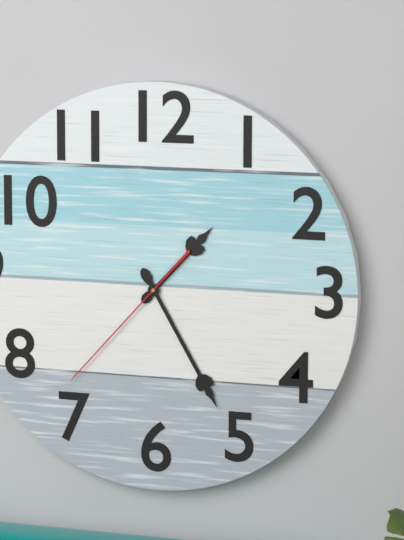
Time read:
1,25,37
